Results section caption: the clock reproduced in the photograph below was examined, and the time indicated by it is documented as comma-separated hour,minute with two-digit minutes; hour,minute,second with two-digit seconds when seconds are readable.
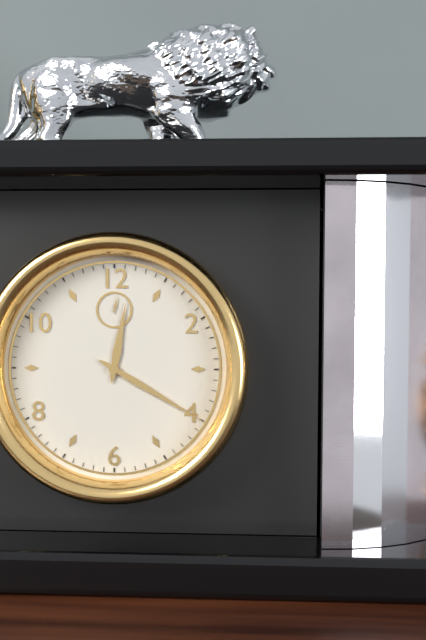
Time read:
12,20
